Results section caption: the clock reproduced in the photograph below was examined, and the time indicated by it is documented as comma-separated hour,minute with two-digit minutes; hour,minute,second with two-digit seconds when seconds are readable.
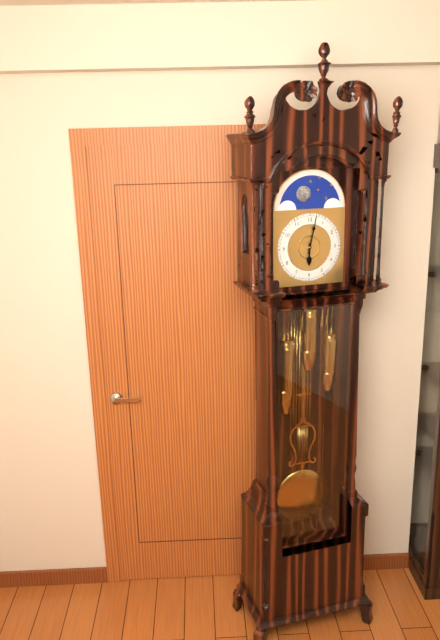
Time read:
6,02
